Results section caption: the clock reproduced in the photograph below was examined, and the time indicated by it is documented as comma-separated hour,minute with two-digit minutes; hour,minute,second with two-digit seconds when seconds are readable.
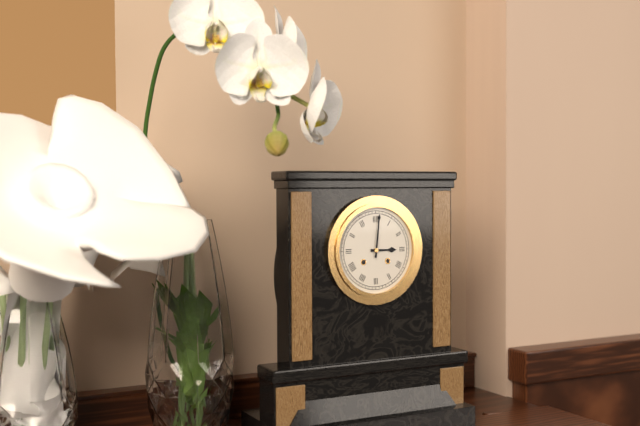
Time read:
3,01
